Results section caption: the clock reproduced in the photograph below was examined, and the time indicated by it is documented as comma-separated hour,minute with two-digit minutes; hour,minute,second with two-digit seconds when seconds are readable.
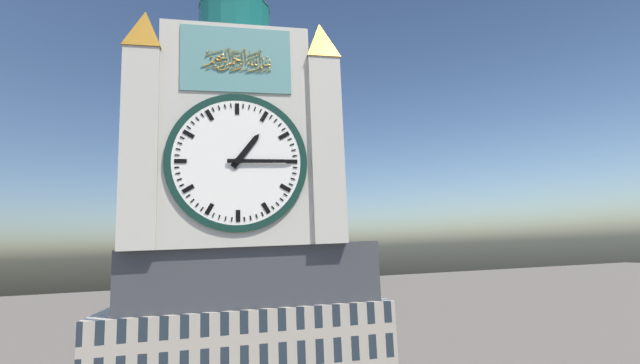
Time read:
1,15
